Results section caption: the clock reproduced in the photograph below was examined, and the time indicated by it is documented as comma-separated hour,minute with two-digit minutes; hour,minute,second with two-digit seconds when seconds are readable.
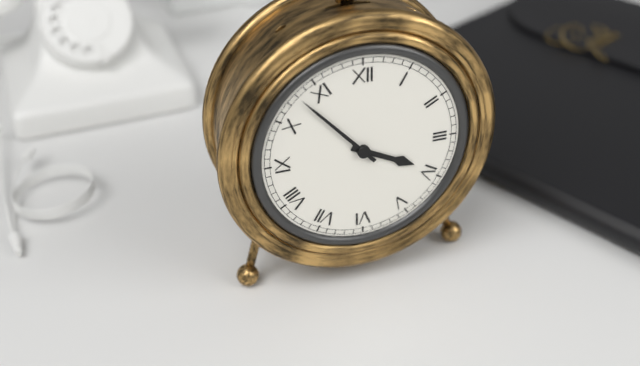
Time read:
3,53
